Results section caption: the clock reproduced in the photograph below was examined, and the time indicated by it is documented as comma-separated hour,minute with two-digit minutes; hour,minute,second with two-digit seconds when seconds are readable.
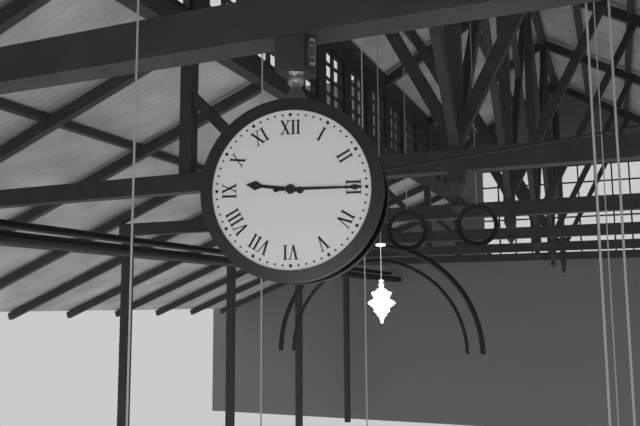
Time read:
9,15
